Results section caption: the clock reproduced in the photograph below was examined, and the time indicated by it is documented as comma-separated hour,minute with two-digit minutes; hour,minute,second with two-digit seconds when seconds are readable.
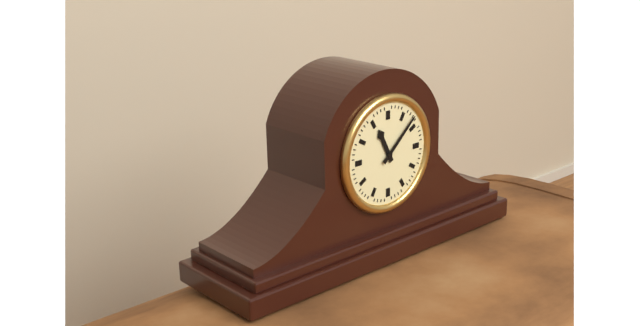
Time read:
11,08
